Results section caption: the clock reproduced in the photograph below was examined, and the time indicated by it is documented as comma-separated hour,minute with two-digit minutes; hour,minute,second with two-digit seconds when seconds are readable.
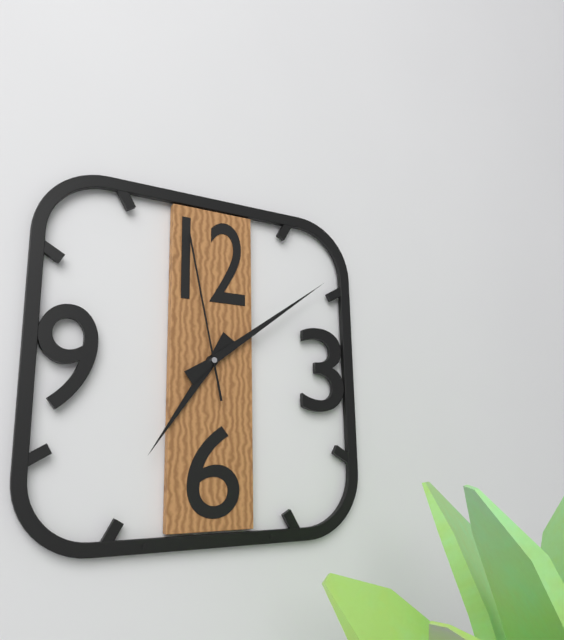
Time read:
7,09,58
